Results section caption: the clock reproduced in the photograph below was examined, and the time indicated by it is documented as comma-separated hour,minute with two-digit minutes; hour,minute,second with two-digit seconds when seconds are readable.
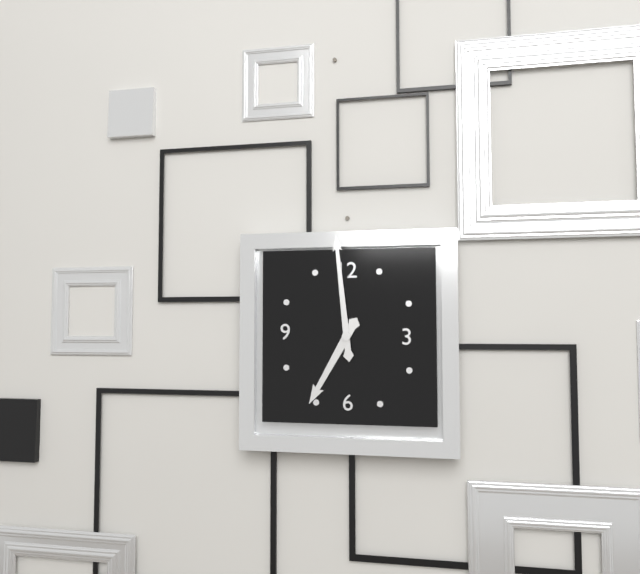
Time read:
6,59
